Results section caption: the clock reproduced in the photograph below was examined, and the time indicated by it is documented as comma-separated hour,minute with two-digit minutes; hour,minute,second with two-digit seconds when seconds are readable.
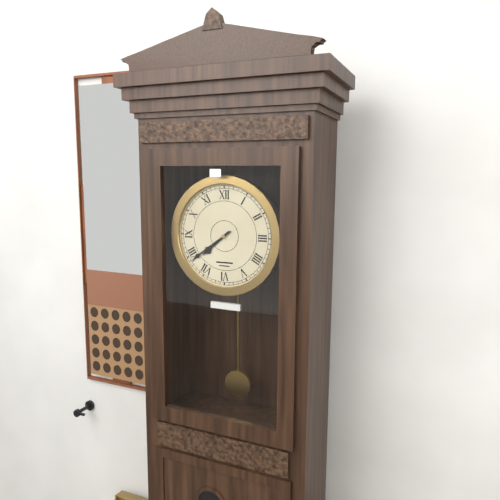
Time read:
7,39
